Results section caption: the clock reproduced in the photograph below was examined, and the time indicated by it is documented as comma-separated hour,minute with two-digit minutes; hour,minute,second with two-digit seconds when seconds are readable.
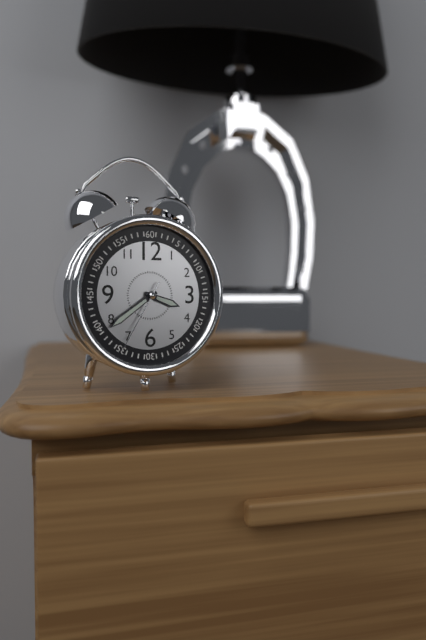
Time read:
3,39,35
